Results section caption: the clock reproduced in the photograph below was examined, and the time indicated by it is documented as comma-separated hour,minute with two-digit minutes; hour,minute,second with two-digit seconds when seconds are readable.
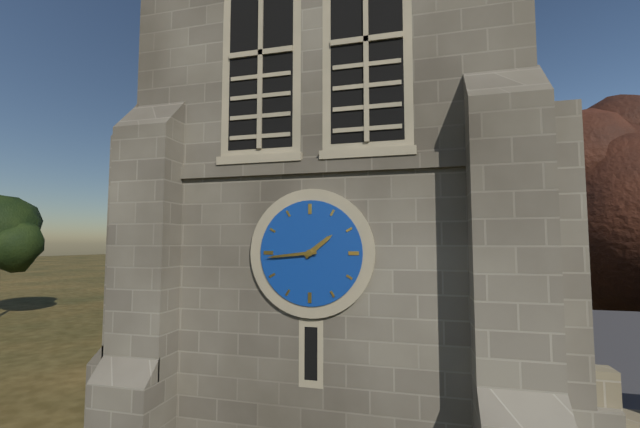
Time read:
1,44
